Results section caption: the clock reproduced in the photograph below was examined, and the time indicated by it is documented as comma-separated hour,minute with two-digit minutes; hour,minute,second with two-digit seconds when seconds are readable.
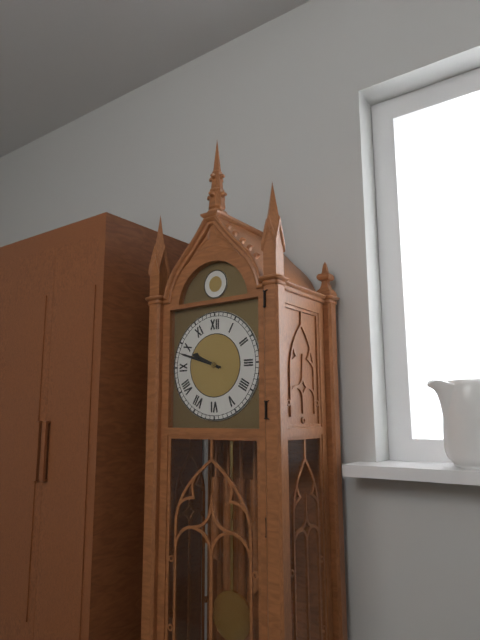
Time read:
9,48
